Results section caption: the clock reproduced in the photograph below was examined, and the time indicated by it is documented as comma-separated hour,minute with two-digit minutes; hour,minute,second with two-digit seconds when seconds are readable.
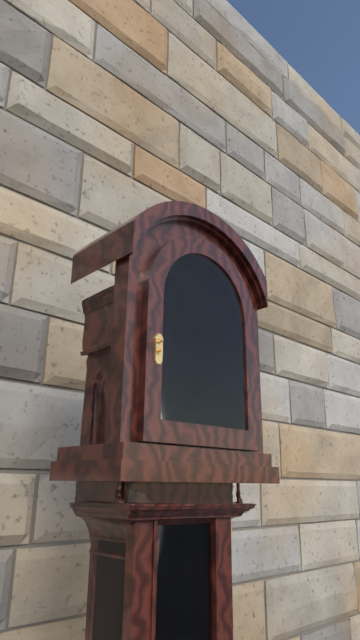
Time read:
9,57
